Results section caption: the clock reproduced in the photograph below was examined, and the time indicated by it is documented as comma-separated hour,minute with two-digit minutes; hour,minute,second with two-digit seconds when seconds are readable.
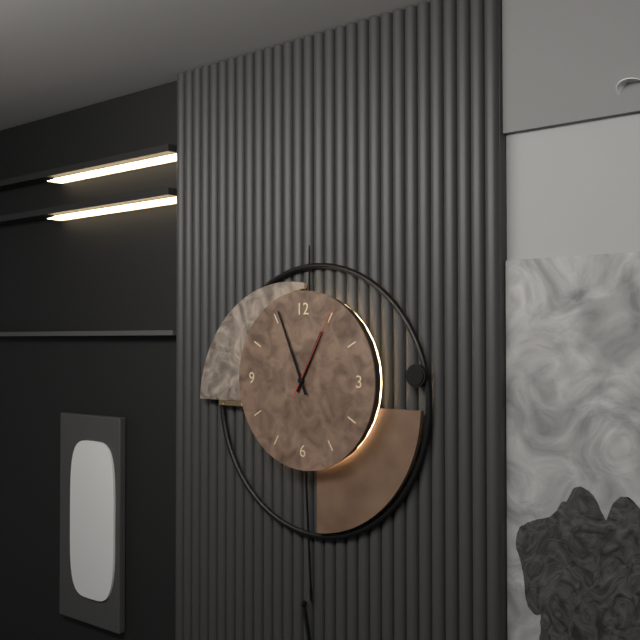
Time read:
12,56,05
